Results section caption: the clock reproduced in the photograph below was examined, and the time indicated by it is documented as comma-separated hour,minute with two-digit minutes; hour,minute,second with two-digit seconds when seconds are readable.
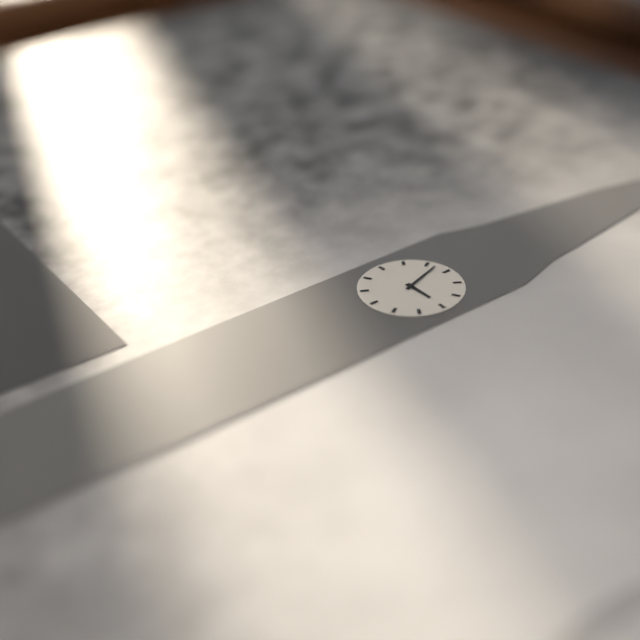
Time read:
2,57
